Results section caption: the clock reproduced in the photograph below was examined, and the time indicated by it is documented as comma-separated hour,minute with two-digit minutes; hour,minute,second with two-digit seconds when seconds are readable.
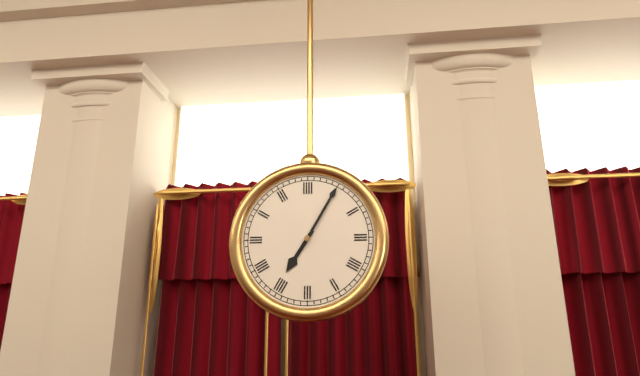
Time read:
7,05
